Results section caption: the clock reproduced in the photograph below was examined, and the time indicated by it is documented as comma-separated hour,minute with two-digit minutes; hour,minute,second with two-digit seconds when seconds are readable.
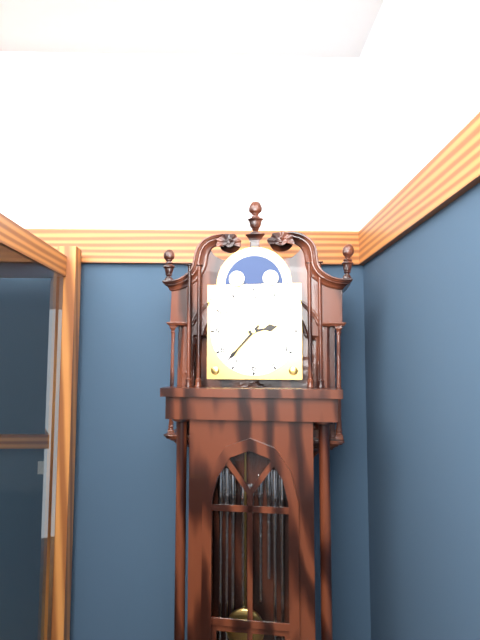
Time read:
2,37
